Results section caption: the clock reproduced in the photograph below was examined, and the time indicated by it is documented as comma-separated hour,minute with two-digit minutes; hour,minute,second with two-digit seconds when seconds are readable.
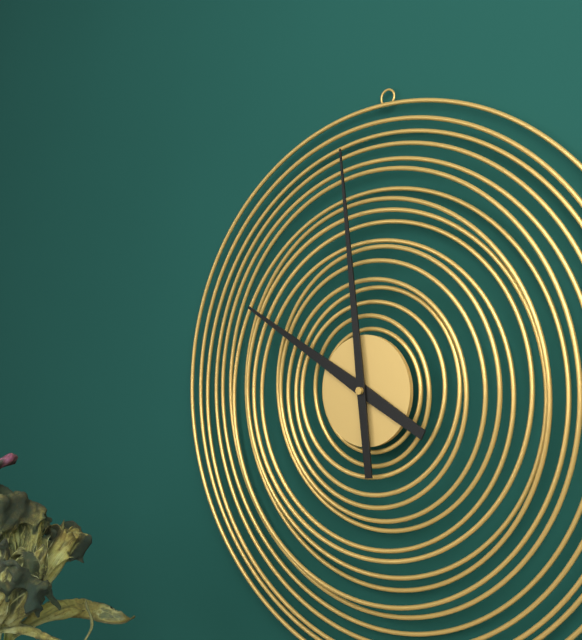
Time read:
9,59
